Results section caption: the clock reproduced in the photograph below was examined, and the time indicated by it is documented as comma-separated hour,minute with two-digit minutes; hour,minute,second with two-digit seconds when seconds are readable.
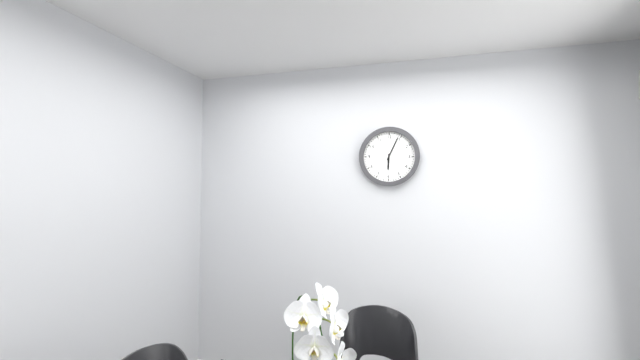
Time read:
6,04
